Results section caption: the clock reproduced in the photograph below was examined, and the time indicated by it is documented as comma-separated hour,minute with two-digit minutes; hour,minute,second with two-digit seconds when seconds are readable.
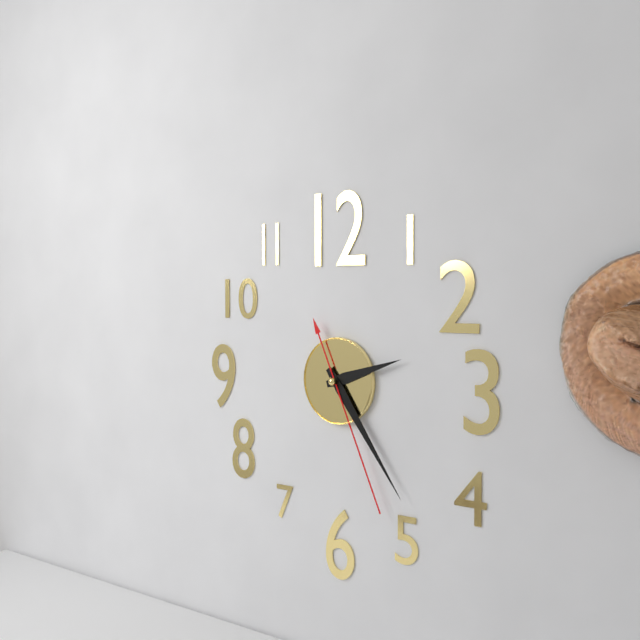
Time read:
2,24,26
